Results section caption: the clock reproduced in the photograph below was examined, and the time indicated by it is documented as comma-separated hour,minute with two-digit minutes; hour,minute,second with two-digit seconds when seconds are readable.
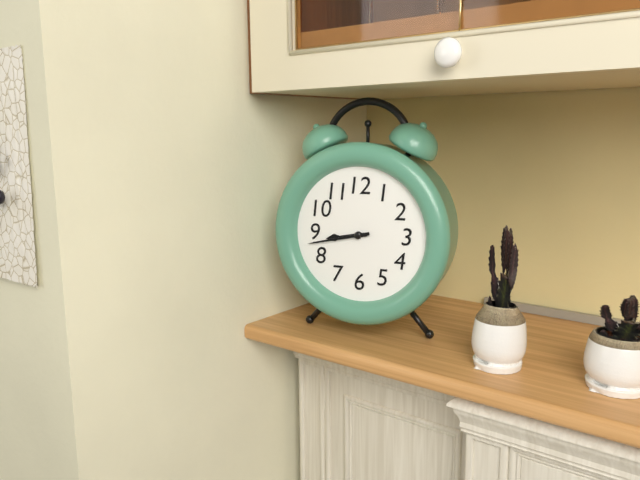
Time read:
8,43
